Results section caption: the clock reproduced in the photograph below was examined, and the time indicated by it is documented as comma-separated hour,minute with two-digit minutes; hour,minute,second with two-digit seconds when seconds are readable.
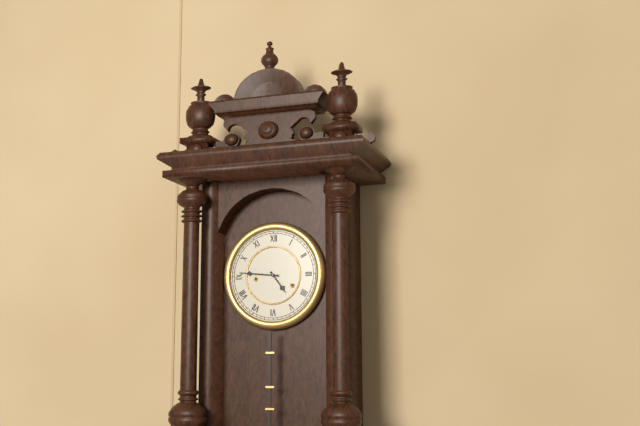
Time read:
4,46
